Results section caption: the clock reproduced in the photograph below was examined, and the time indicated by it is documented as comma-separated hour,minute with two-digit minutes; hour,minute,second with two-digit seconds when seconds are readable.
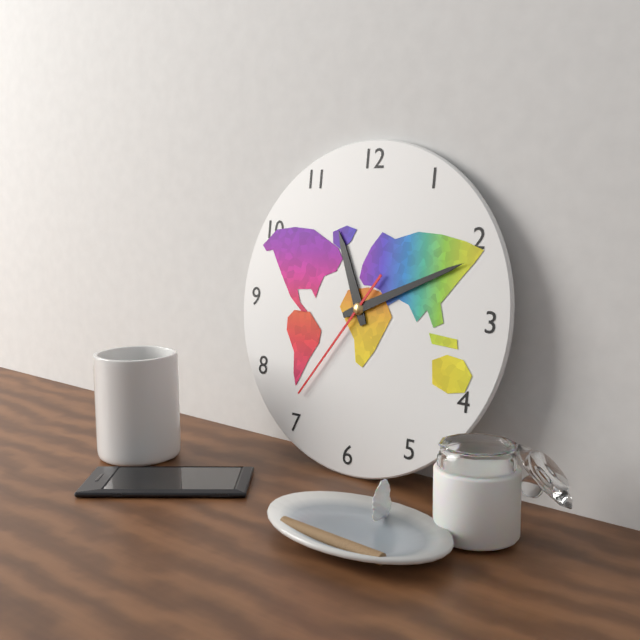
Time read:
11,11,36
